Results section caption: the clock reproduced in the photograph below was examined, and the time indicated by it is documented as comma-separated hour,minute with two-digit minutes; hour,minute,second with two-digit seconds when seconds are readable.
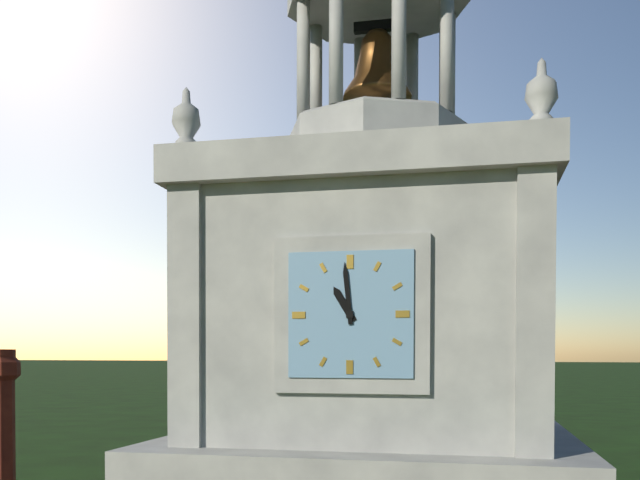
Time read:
10,59
